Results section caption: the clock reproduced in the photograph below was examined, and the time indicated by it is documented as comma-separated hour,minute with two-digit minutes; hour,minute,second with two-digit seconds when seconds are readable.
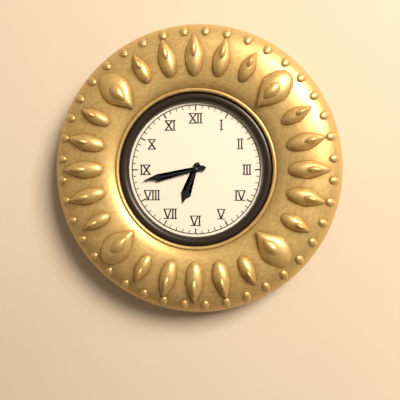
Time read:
6,43
